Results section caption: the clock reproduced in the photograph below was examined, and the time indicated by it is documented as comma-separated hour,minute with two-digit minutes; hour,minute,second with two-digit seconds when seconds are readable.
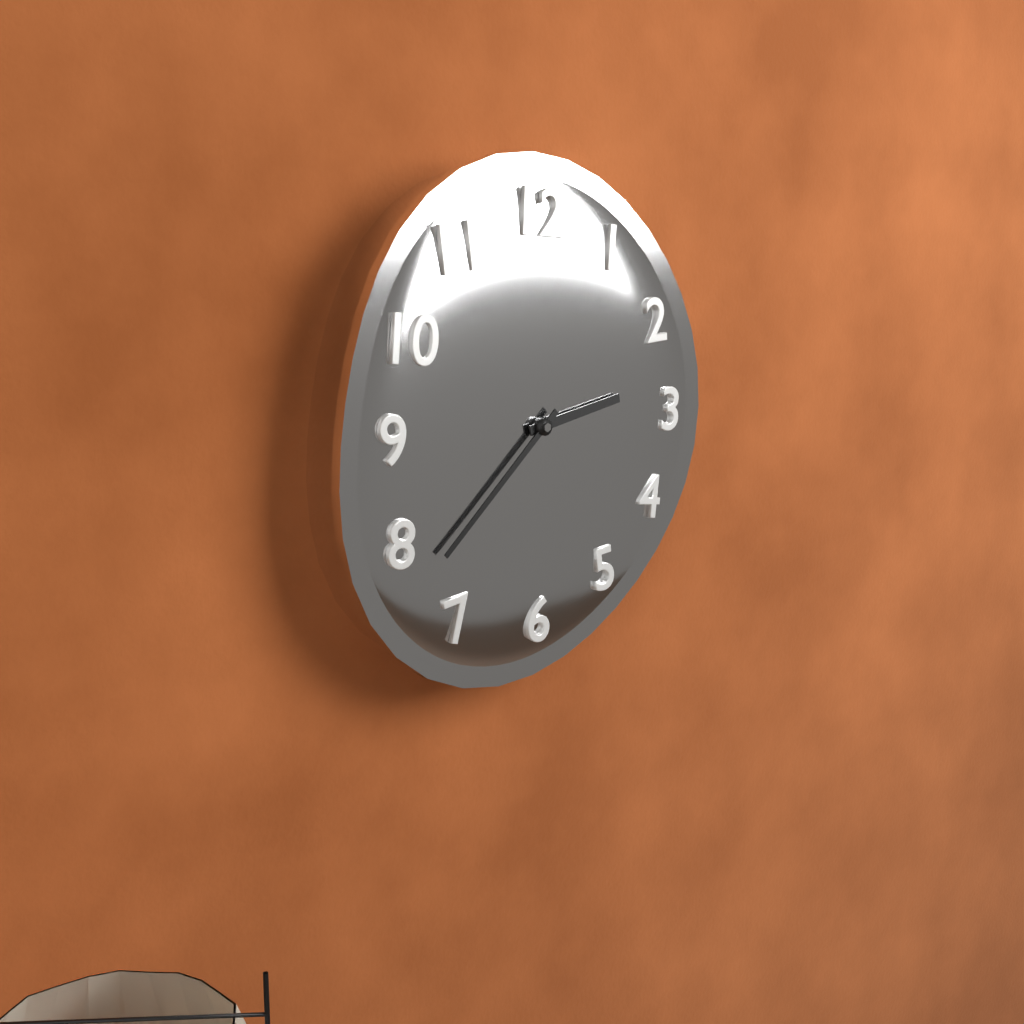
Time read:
2,38
